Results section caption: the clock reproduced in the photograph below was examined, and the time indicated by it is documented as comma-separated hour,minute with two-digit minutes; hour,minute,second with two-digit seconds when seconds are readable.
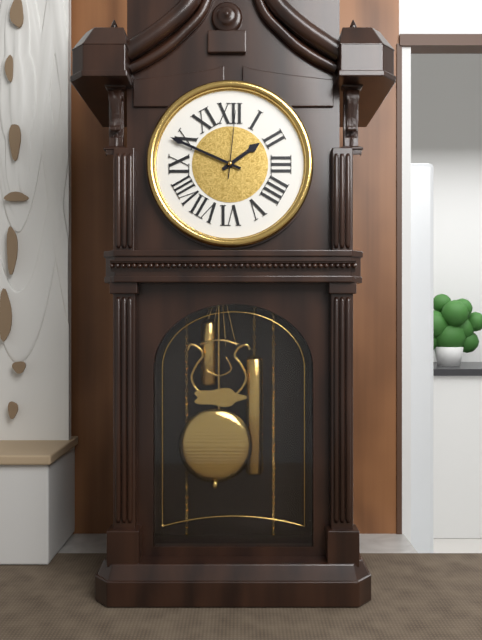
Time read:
1,49,01
